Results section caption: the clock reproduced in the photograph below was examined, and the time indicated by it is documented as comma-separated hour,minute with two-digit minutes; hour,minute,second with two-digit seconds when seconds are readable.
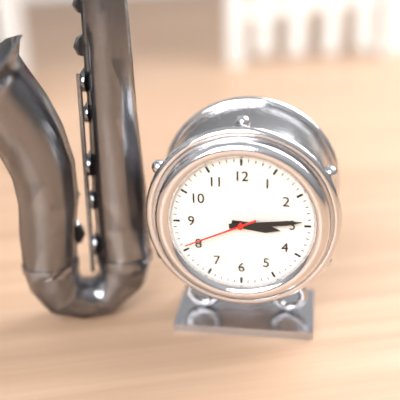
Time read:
3,14,41
